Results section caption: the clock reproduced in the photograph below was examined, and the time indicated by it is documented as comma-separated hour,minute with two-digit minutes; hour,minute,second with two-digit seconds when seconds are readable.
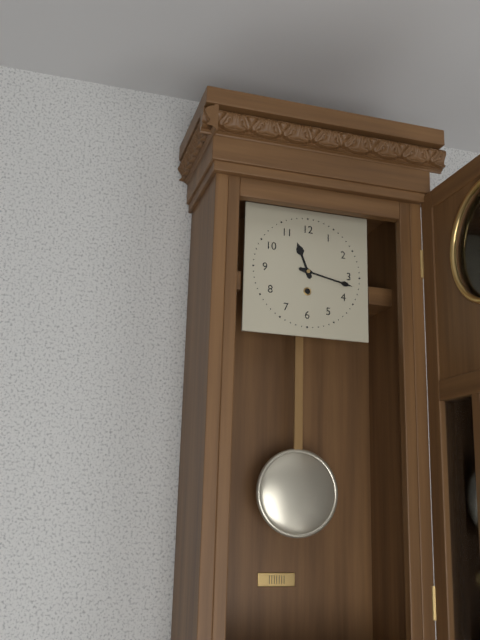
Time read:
11,17
